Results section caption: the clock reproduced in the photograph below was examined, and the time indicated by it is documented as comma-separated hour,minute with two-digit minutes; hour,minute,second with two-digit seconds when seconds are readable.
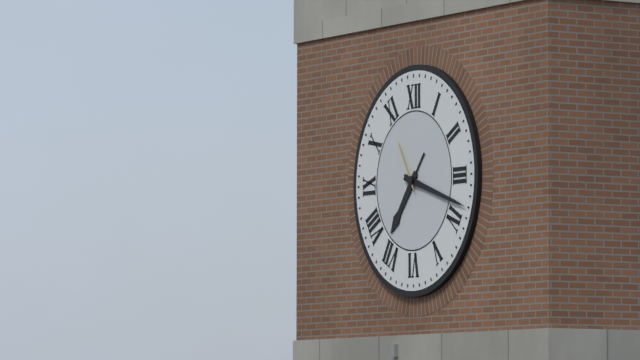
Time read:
7,18,55
